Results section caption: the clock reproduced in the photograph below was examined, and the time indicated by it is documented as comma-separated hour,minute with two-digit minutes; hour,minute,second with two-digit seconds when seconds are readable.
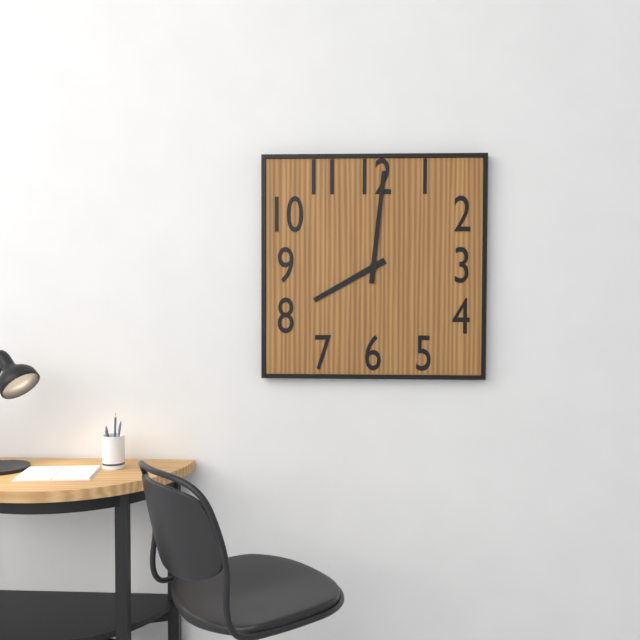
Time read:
8,01
